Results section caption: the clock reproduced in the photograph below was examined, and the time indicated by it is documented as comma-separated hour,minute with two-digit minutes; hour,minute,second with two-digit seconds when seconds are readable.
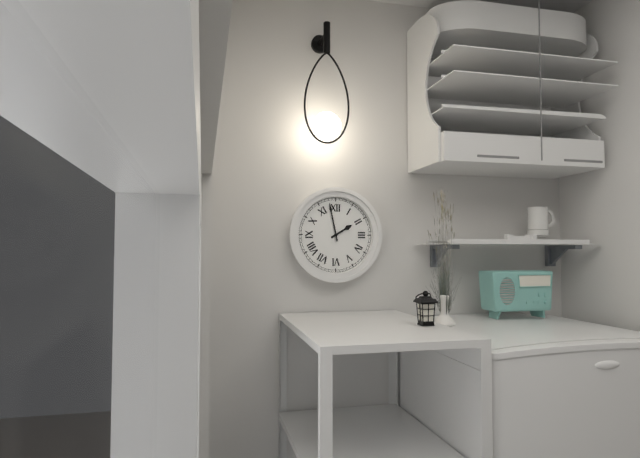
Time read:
1,58
